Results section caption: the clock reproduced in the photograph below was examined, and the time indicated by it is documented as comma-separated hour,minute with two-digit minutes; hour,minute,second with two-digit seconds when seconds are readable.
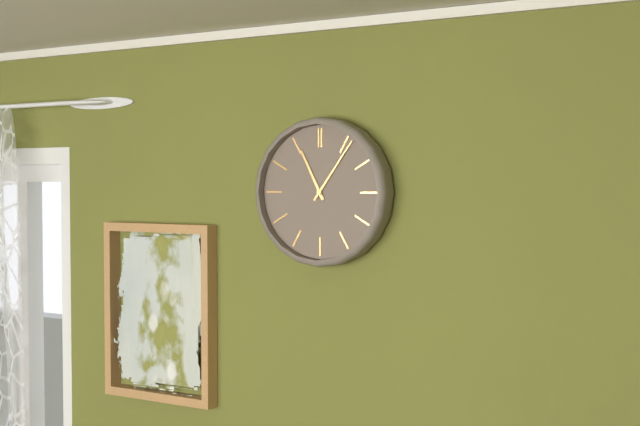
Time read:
11,06
